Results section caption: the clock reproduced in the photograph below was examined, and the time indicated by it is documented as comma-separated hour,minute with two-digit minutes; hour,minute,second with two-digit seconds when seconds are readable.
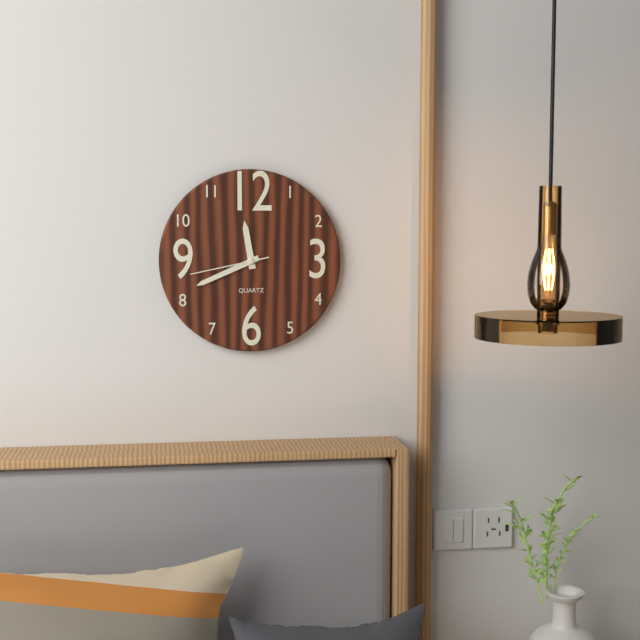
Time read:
11,41,43
